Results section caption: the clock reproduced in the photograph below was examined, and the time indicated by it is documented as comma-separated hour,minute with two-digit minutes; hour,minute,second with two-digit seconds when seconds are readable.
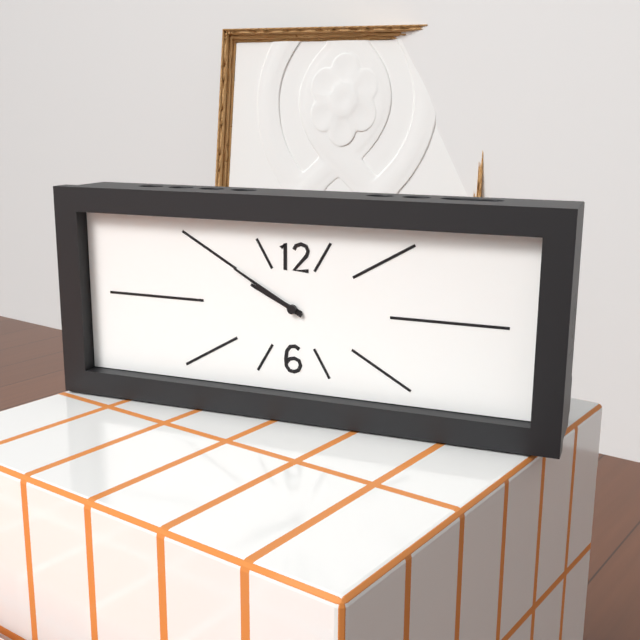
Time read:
9,50
